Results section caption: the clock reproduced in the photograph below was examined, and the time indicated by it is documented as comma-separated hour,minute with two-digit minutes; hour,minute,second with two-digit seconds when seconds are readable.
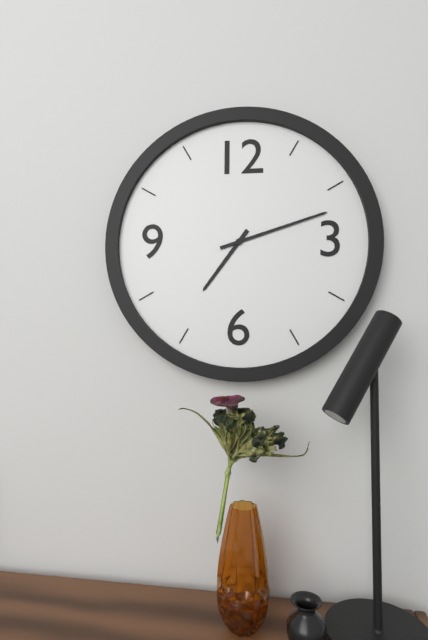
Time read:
7,12
